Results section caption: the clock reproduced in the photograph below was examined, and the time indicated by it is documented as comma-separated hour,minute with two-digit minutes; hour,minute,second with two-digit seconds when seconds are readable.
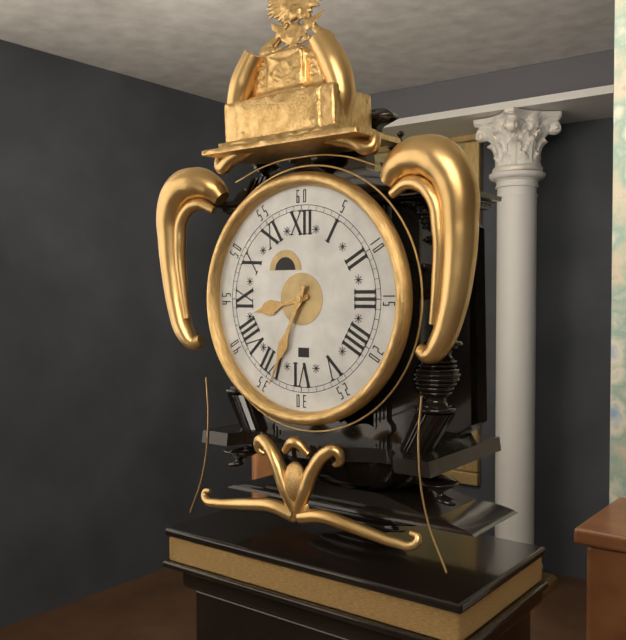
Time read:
8,34
